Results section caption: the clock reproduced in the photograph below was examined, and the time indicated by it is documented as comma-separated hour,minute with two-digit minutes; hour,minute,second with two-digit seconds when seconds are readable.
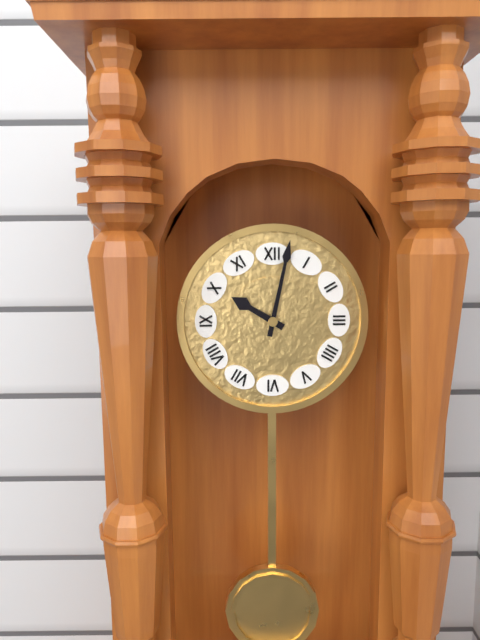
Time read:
10,02
